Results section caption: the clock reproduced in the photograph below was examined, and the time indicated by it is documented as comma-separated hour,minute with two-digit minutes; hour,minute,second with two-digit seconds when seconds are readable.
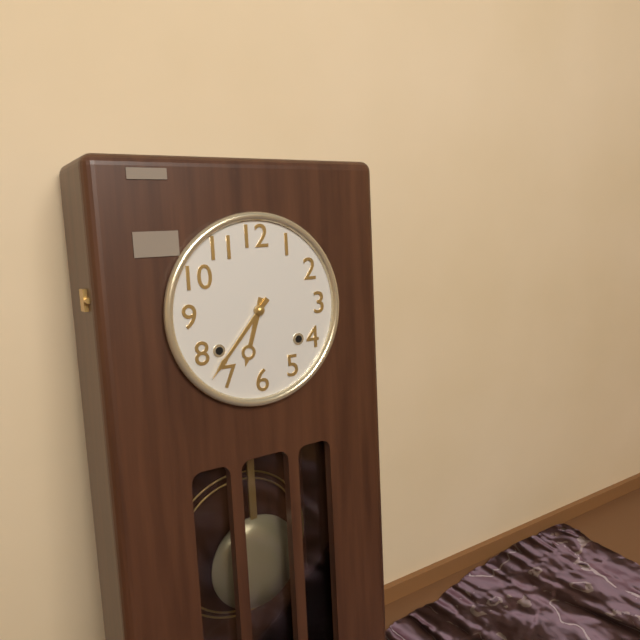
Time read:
6,37
